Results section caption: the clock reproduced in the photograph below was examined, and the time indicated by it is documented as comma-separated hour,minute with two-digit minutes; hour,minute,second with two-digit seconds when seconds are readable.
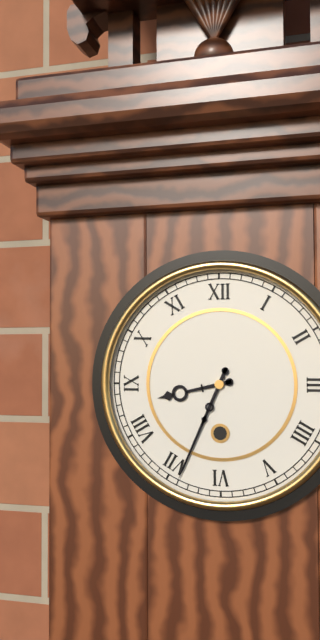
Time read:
8,34
